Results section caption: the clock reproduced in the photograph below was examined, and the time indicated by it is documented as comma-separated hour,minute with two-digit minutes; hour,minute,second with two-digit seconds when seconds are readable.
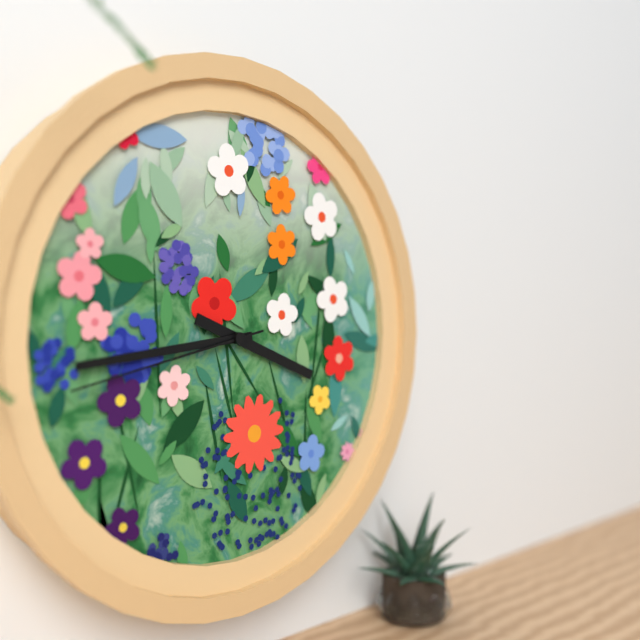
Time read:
3,44,43
